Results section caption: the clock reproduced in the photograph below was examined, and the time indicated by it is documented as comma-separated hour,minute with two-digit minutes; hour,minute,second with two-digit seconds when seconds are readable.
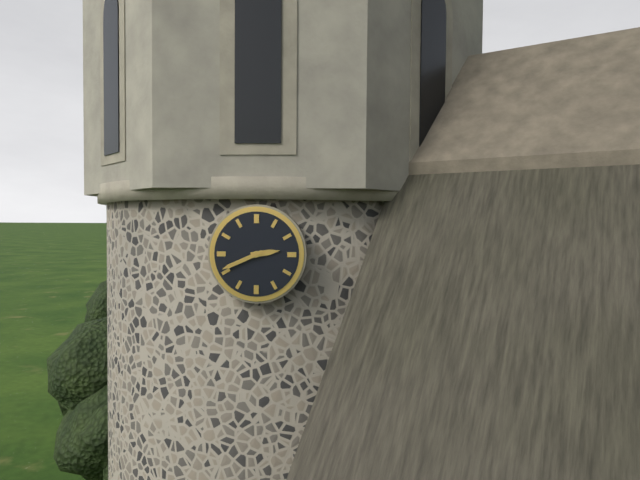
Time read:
2,41
